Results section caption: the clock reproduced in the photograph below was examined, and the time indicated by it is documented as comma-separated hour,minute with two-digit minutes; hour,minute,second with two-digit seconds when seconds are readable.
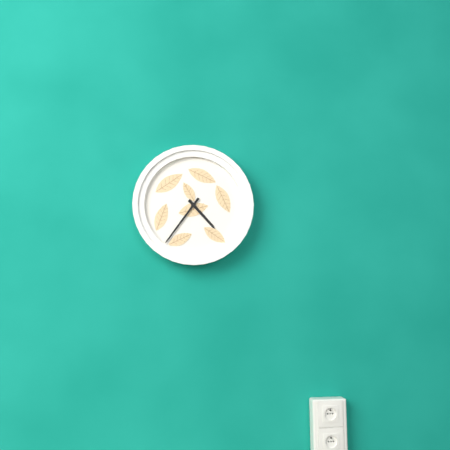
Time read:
4,36
